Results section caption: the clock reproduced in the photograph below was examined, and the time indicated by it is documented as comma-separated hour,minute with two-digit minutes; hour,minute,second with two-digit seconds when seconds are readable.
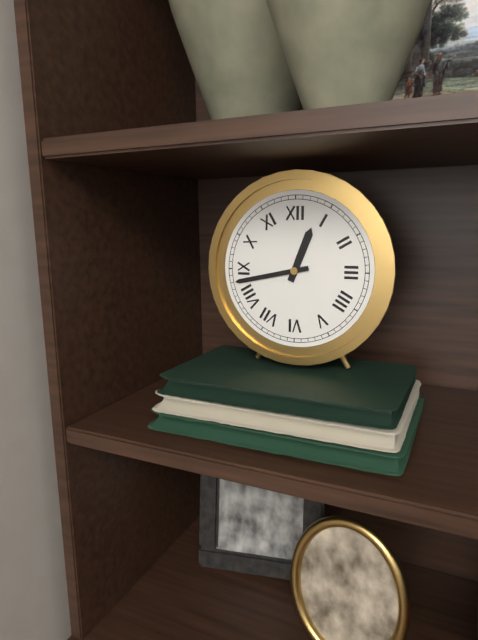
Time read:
12,43
